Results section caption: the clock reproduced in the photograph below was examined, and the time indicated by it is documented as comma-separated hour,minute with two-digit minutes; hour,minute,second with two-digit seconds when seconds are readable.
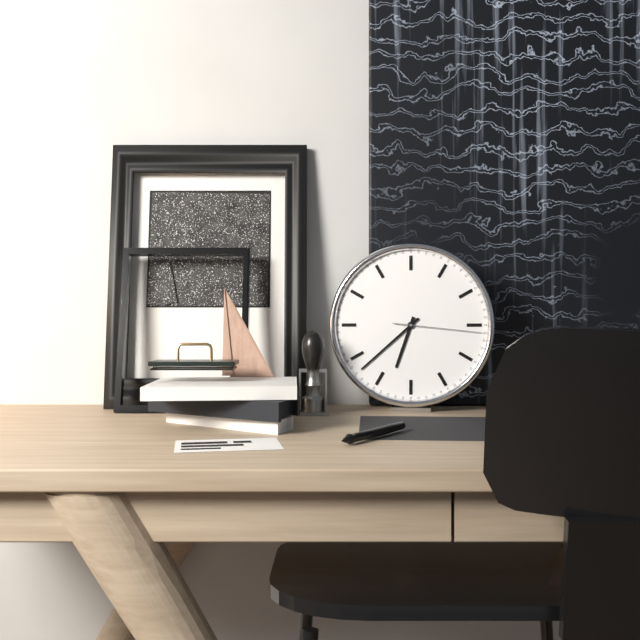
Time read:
6,38,16
